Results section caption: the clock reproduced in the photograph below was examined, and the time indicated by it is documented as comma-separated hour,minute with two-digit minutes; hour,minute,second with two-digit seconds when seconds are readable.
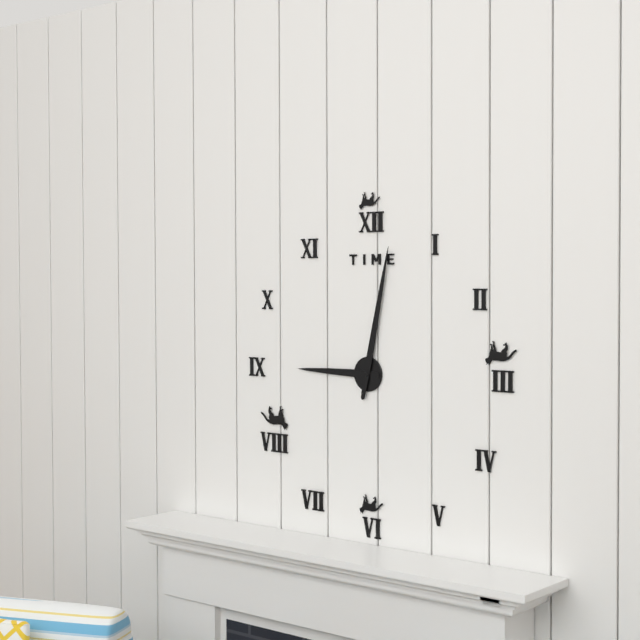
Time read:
9,02
